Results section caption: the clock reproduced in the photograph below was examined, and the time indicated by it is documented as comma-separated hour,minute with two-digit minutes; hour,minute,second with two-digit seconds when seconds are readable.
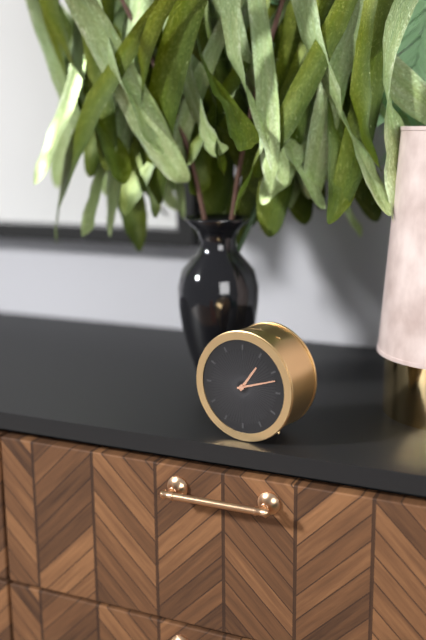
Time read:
1,12
